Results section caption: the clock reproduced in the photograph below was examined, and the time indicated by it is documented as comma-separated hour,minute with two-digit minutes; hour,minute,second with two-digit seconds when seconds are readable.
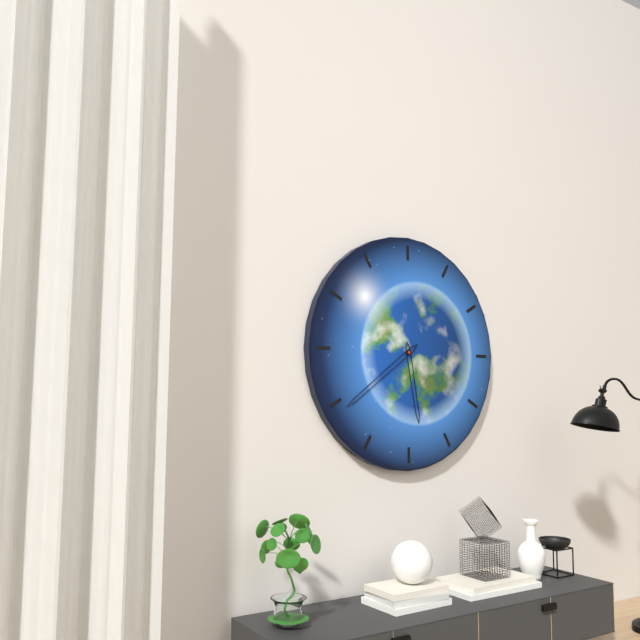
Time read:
5,39
